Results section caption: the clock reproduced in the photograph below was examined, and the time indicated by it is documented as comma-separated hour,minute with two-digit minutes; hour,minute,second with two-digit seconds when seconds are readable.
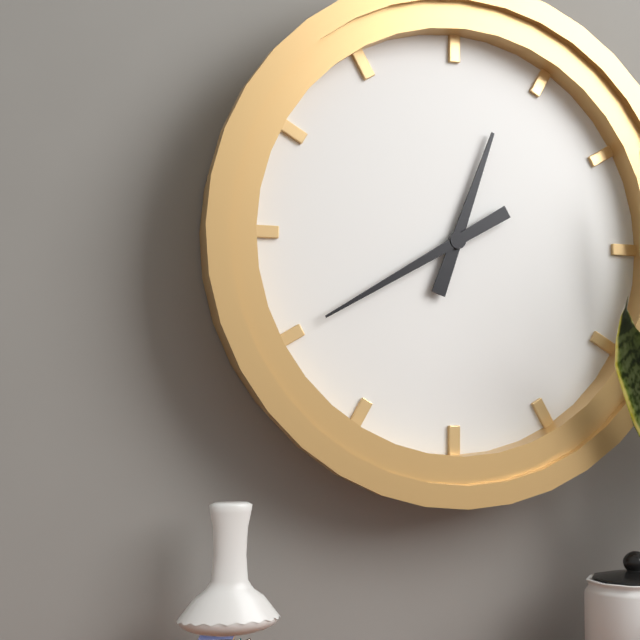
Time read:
12,40
